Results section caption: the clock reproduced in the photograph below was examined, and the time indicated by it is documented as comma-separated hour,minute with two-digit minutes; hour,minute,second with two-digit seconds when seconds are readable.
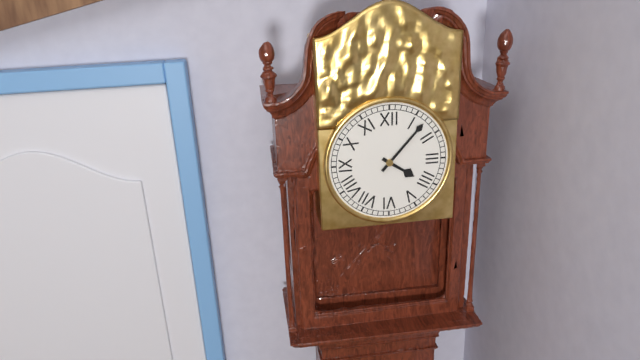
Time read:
4,07
